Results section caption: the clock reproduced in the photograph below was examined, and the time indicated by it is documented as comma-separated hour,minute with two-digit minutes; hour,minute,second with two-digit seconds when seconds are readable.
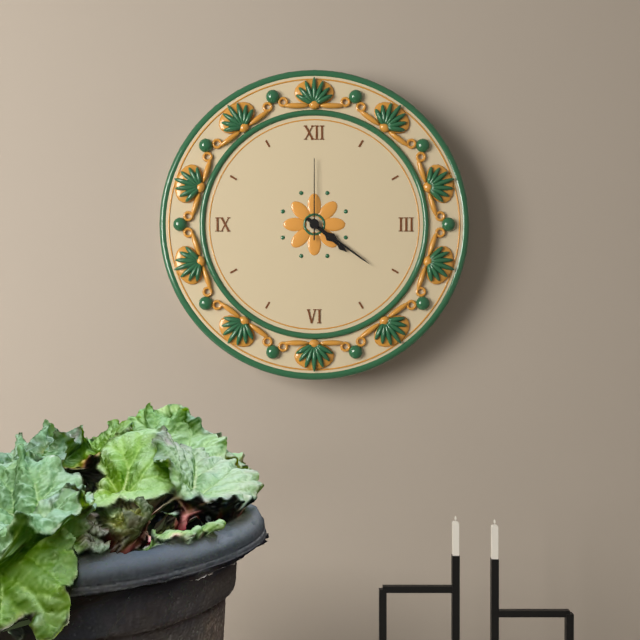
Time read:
4,21,00
